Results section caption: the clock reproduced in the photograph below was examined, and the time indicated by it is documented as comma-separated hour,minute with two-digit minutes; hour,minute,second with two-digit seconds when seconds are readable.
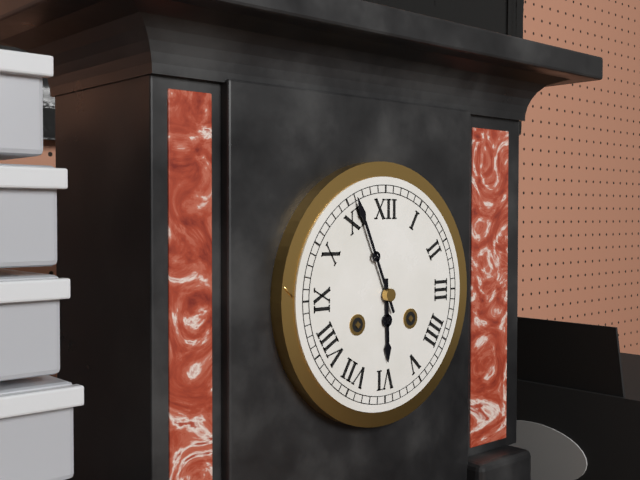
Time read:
5,56
